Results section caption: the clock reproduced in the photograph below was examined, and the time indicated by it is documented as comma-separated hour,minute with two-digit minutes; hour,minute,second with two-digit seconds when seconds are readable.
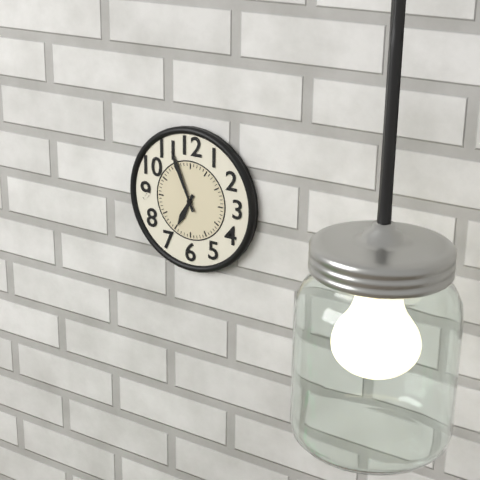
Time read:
6,56
